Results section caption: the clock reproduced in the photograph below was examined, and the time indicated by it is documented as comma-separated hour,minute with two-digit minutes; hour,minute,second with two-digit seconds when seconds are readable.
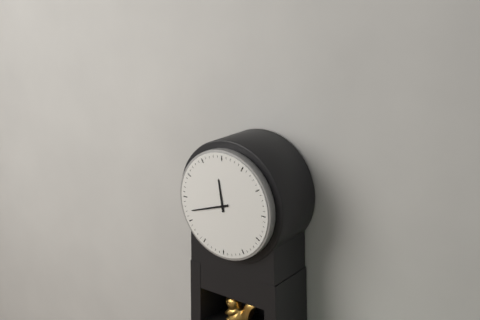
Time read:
11,42
